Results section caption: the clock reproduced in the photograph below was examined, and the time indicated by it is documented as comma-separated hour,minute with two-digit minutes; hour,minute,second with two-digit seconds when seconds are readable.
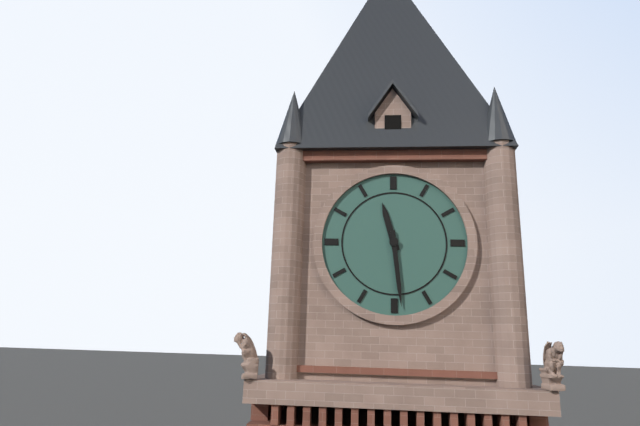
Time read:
11,29
